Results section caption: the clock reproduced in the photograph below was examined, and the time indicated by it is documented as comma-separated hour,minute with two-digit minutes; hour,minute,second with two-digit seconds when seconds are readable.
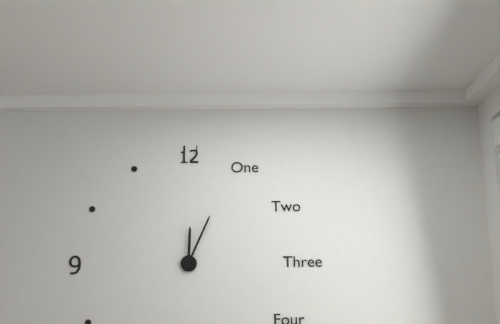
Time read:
12,04
